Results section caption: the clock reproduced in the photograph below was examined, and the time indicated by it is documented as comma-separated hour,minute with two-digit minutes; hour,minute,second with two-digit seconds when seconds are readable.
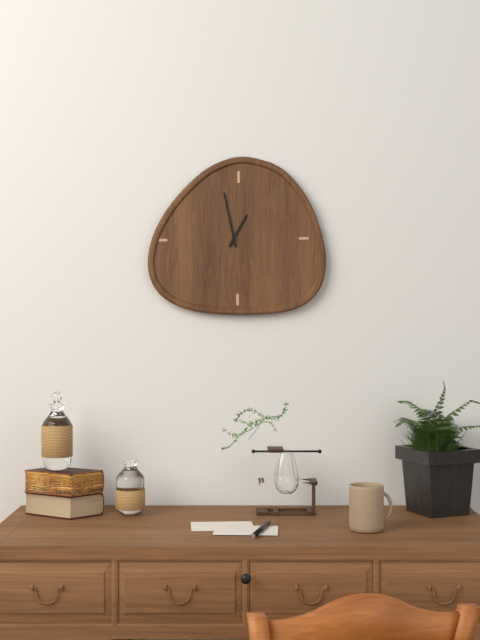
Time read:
12,58
